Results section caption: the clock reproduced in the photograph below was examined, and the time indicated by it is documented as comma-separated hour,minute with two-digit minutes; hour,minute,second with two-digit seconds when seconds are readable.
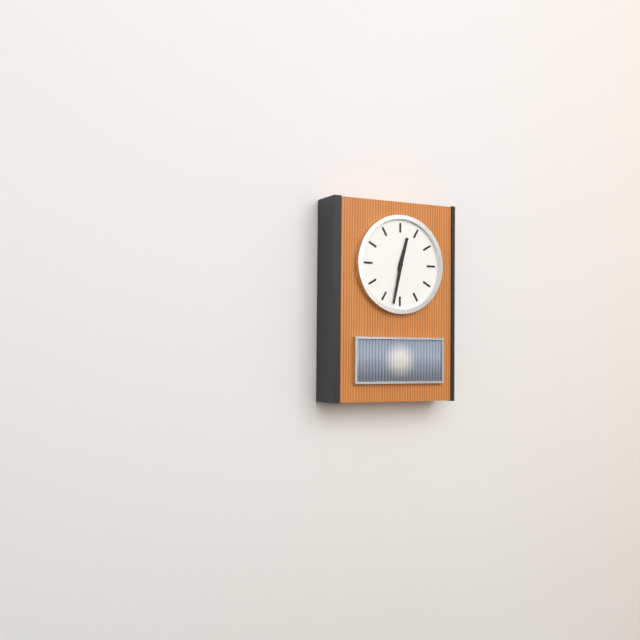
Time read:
12,32
